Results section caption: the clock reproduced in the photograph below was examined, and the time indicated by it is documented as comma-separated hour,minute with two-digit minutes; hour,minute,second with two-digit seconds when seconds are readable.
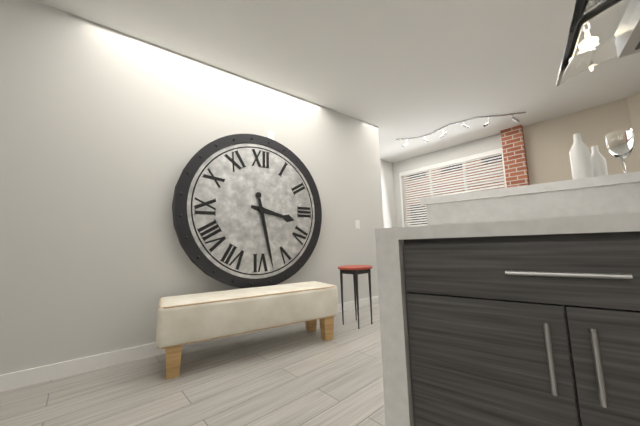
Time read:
3,28
